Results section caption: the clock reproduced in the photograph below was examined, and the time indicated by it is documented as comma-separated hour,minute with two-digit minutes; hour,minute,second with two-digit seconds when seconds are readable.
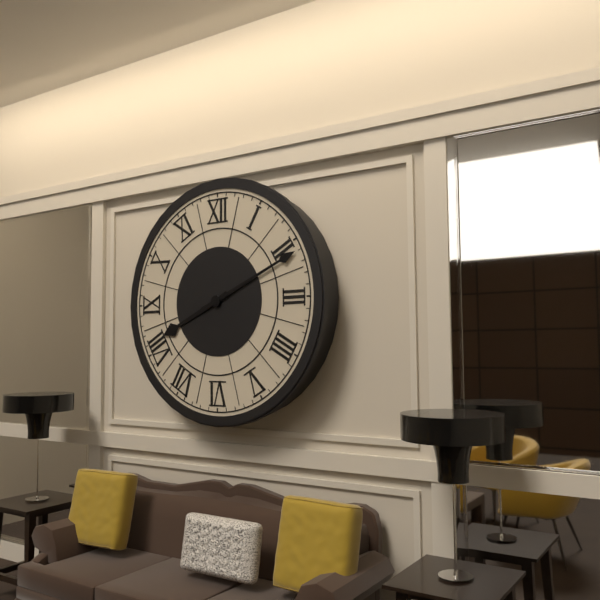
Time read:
8,11
